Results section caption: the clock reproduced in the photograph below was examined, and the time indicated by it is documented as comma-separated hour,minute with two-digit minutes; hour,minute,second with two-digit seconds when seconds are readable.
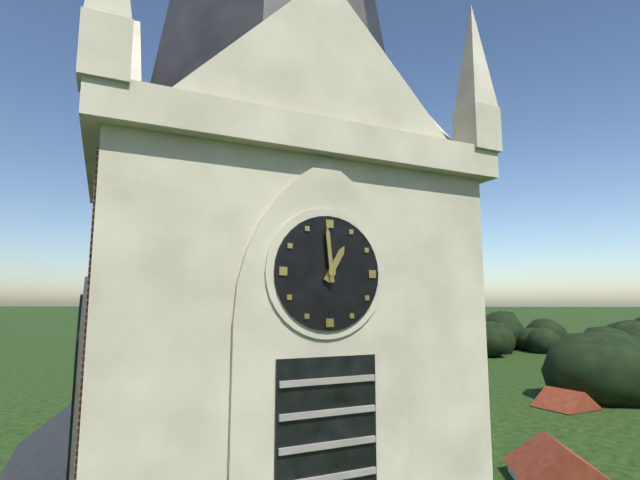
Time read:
12,59
